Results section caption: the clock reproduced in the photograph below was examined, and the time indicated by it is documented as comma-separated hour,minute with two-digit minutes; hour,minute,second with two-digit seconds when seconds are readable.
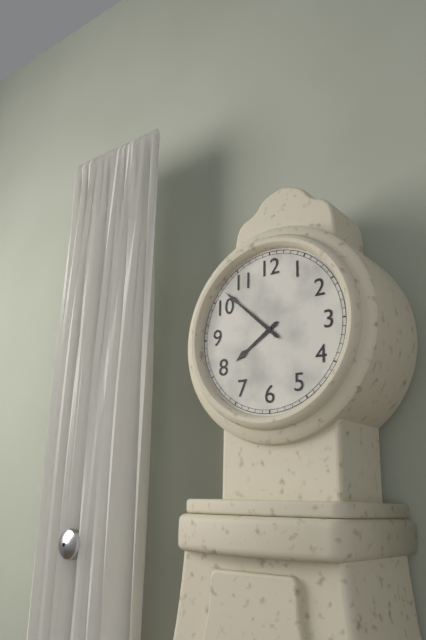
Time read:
7,52
